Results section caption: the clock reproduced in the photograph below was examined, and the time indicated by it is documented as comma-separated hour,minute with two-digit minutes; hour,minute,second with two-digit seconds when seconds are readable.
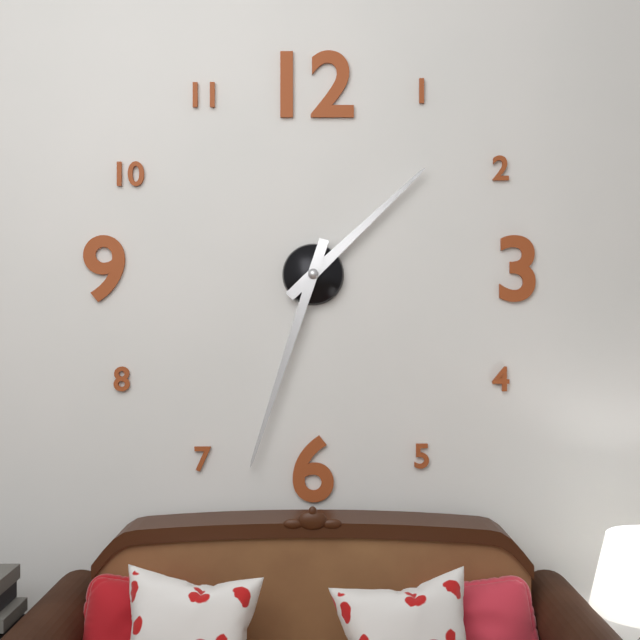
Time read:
1,33
